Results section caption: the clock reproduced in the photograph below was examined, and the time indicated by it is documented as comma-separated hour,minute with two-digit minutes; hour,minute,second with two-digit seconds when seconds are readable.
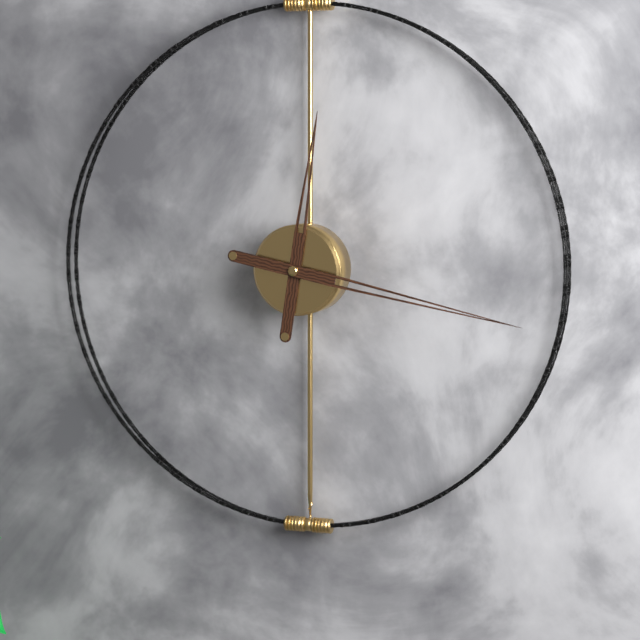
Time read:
12,17
